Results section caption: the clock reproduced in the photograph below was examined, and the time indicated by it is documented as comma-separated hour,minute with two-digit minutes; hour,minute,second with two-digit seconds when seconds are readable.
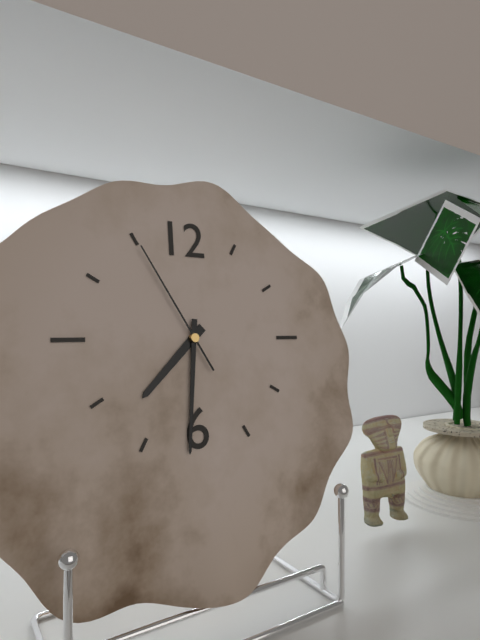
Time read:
7,31,55
